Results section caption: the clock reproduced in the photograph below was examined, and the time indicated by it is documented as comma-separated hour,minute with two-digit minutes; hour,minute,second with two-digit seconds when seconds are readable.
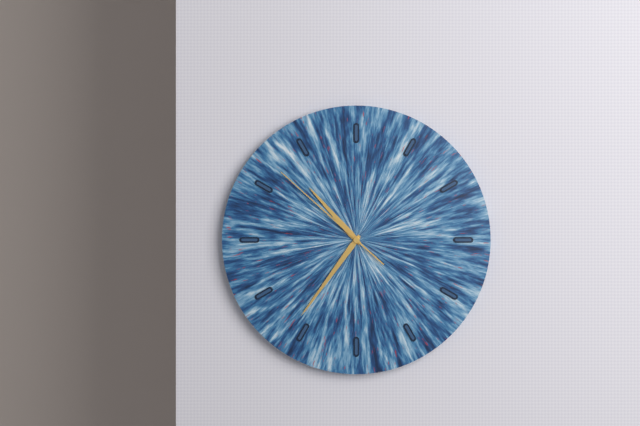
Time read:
10,36,52
